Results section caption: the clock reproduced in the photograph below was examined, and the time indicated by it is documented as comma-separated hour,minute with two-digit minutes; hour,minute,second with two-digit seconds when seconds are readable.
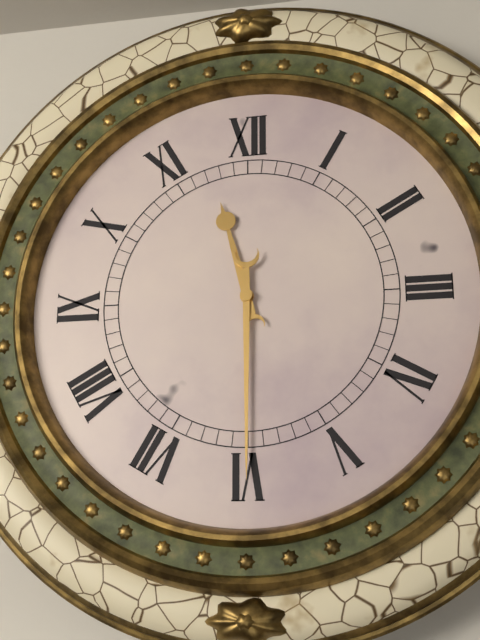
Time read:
11,30
